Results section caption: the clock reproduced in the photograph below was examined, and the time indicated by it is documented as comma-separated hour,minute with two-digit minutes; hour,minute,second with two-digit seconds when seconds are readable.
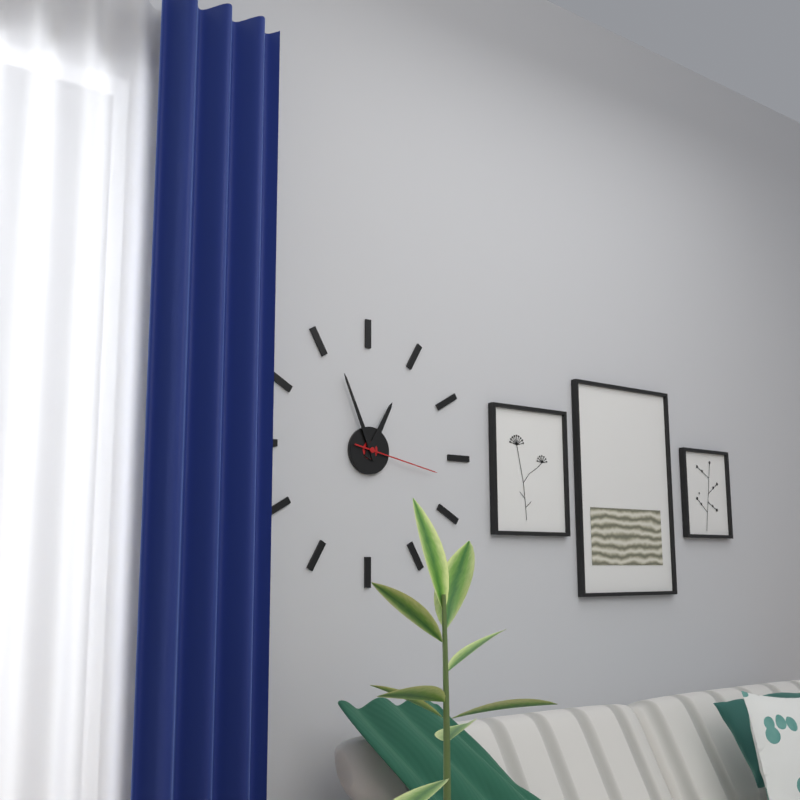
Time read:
12,56,17
